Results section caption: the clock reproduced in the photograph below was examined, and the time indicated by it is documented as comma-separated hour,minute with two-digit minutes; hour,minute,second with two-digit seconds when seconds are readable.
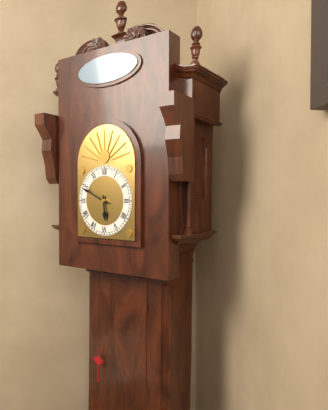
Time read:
5,49
